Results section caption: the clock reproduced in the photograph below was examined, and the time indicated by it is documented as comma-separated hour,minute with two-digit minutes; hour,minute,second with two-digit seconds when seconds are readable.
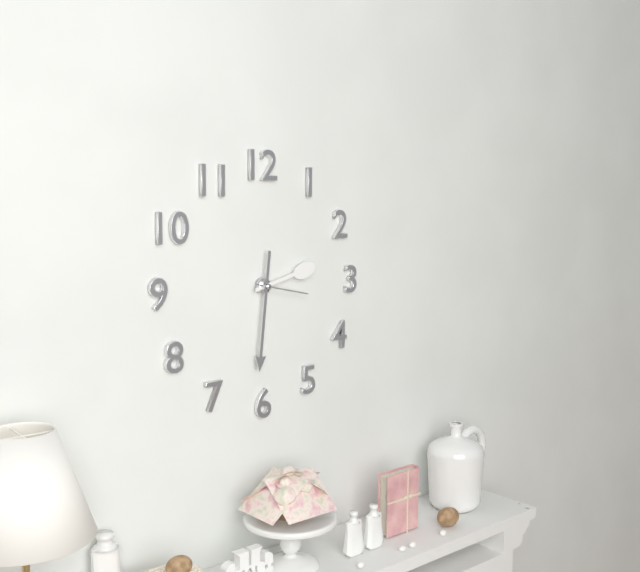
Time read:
2,31,17
